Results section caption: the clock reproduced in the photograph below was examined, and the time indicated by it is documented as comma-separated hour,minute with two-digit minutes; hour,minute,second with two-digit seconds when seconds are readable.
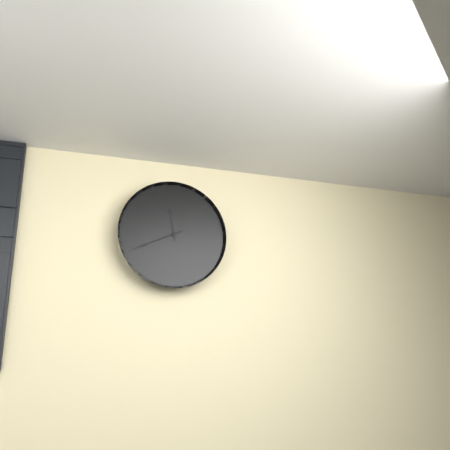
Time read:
11,41
